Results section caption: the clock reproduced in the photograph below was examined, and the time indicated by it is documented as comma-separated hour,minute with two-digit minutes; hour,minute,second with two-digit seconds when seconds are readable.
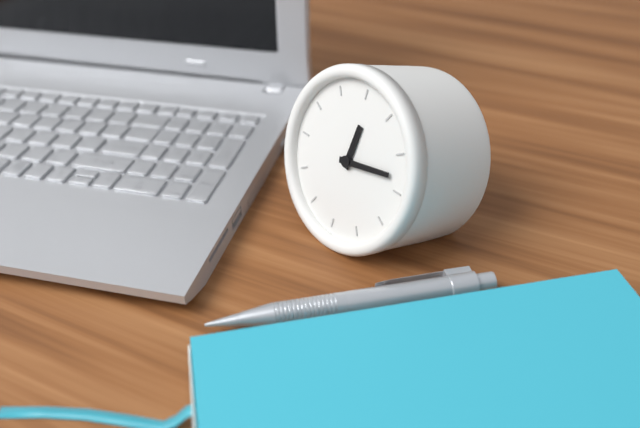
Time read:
12,13
